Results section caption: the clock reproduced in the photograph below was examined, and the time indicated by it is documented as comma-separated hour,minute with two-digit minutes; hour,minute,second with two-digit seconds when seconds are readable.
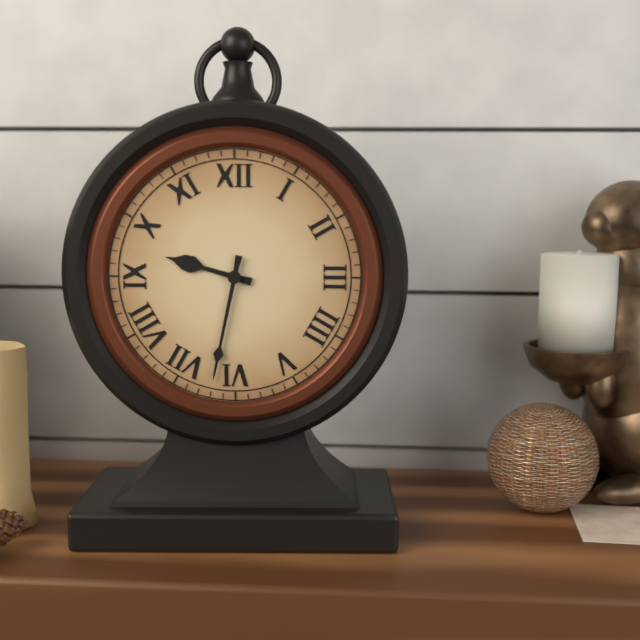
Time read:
9,32
